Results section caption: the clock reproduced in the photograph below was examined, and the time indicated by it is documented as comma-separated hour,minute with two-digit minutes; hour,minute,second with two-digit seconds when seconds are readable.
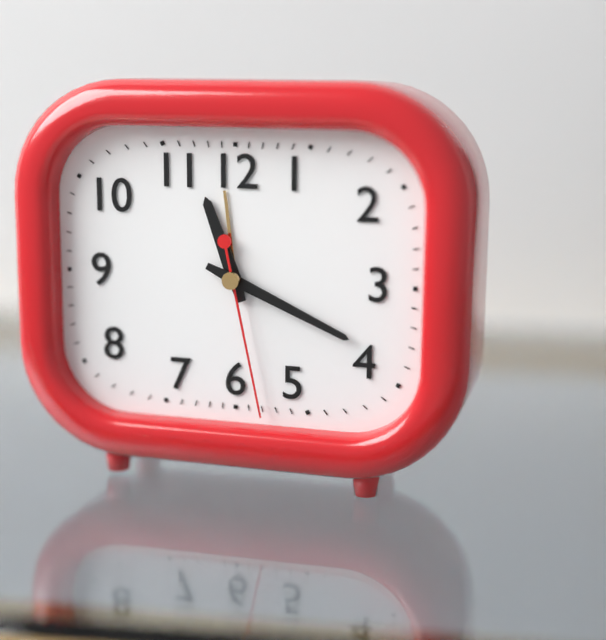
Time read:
11,19,28
